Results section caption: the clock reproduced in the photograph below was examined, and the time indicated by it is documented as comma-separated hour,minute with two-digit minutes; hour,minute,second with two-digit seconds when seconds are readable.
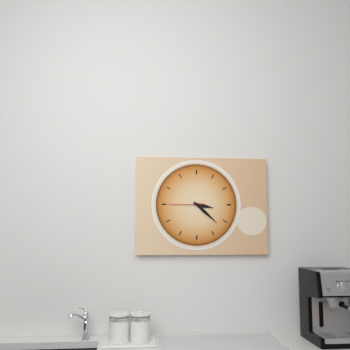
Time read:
3,22
